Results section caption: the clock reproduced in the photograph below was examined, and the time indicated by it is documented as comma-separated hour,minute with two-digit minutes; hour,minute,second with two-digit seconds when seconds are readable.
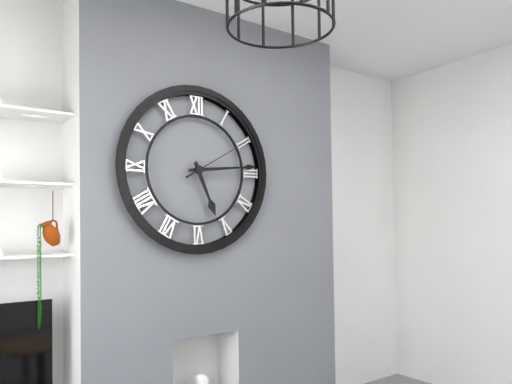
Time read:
5,14,10
